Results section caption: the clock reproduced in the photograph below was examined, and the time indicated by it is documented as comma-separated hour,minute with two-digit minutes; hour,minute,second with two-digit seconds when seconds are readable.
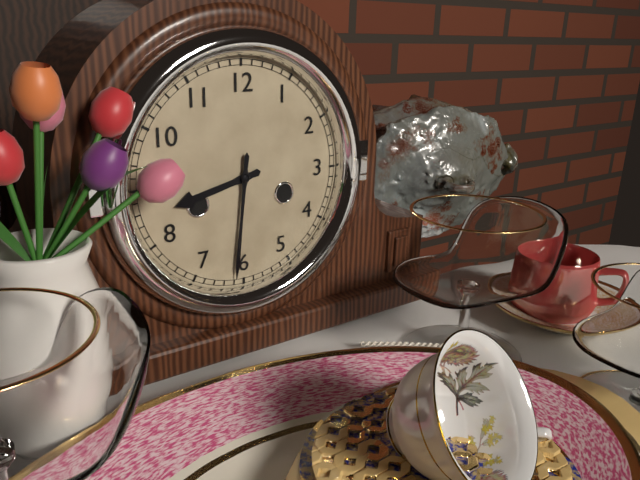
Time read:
8,31
